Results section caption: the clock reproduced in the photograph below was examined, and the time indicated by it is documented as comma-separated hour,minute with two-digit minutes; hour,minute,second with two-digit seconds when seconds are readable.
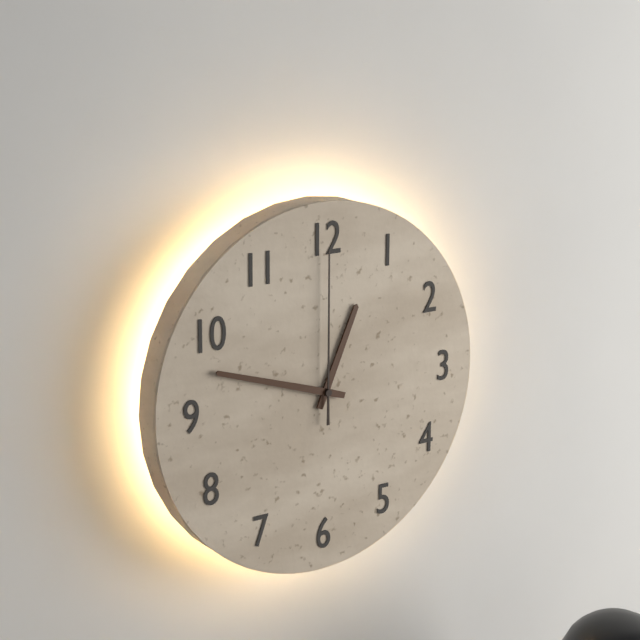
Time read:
12,48,00
